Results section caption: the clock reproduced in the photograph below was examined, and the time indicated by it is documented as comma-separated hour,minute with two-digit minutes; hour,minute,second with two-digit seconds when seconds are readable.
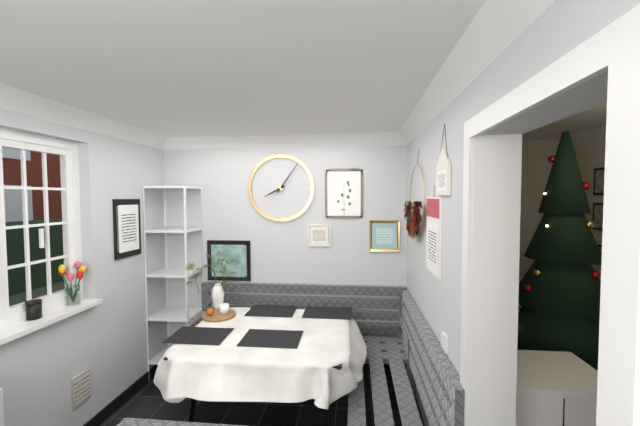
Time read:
8,06
